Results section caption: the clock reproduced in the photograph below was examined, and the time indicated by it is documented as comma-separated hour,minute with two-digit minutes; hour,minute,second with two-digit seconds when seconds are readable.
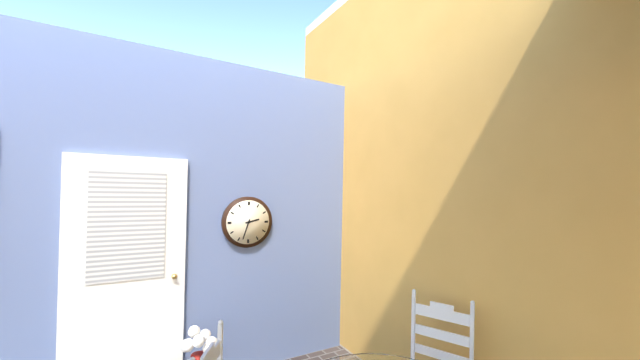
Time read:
2,33
